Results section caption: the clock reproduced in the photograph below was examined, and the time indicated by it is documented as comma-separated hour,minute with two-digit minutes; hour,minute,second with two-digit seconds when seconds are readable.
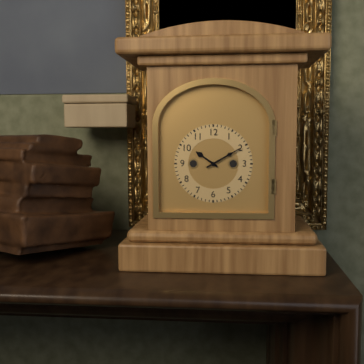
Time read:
10,10
